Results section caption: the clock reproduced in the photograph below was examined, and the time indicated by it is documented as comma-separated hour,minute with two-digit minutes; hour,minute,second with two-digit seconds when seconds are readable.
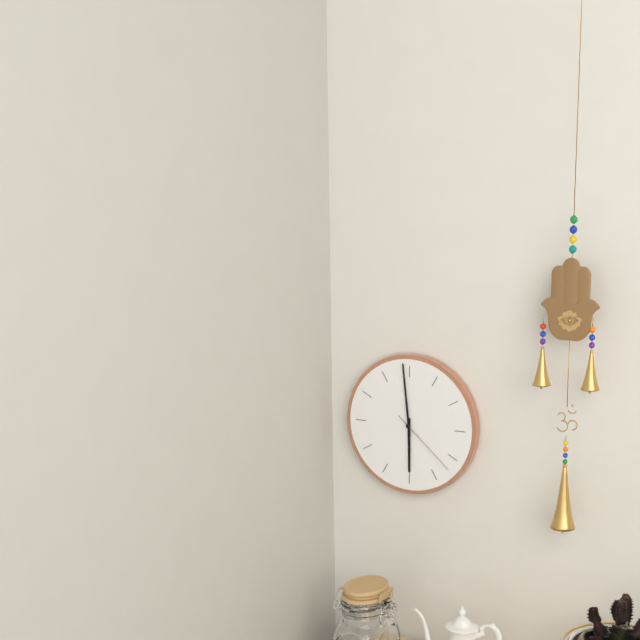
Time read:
5,59,22
